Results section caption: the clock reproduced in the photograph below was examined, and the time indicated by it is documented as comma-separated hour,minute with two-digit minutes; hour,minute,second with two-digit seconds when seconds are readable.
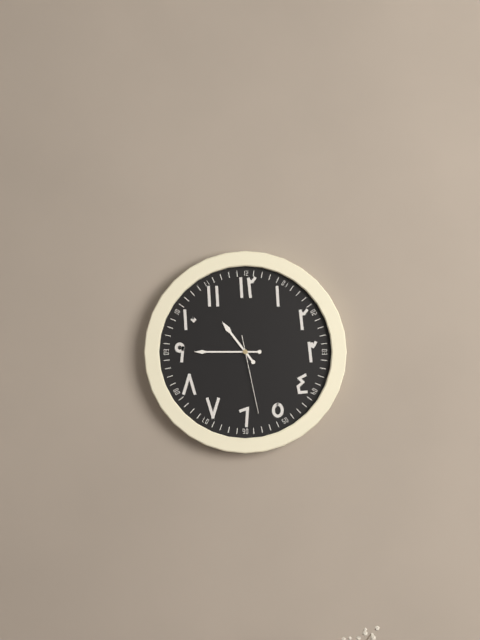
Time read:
10,45,28
